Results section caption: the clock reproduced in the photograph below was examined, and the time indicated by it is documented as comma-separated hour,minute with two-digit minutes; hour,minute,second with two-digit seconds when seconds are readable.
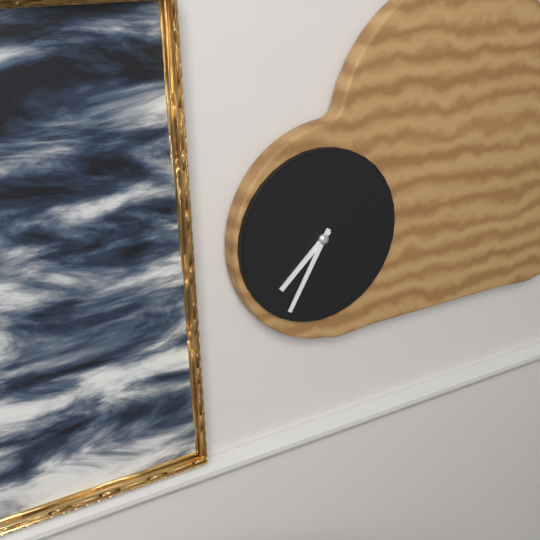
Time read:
7,35
